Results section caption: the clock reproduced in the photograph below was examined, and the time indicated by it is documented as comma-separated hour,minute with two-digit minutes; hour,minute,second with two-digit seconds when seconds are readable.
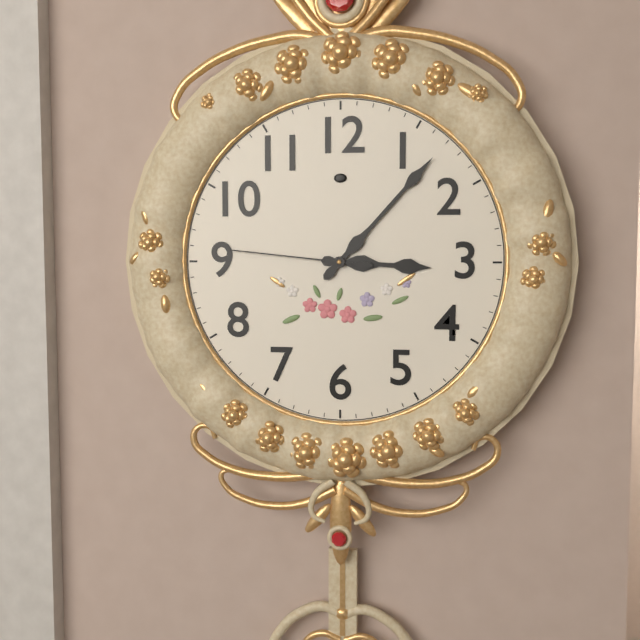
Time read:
3,07,46
